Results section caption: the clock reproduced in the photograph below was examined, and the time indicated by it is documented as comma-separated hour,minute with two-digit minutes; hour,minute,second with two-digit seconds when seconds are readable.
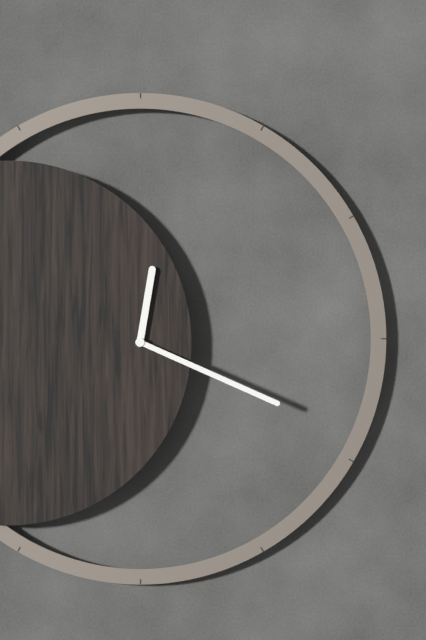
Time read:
12,19
